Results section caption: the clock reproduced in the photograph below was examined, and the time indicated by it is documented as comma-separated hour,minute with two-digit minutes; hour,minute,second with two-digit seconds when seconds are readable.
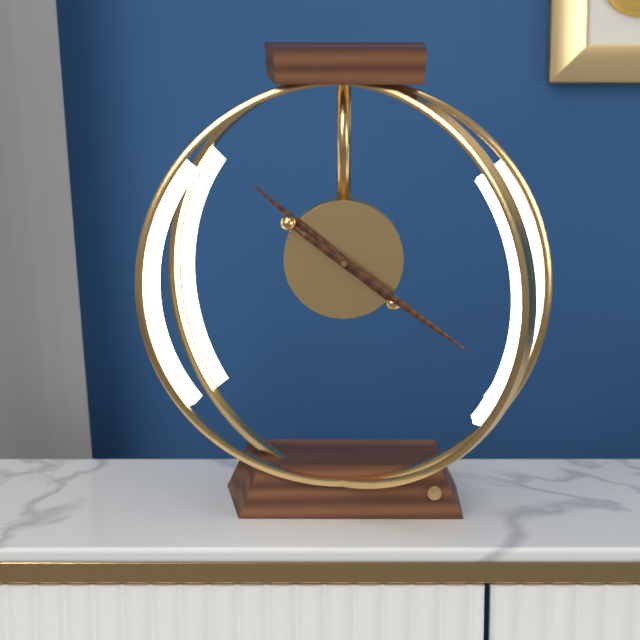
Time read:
10,21
